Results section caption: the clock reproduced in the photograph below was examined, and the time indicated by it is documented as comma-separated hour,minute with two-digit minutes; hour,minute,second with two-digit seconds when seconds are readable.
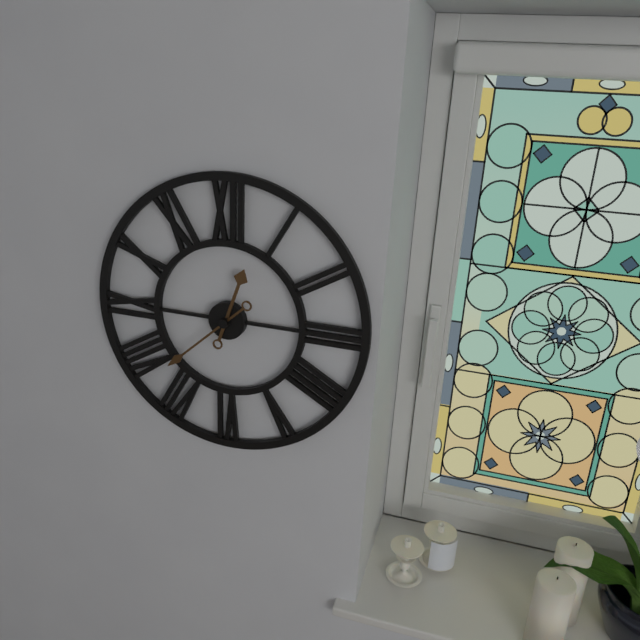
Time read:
12,38
